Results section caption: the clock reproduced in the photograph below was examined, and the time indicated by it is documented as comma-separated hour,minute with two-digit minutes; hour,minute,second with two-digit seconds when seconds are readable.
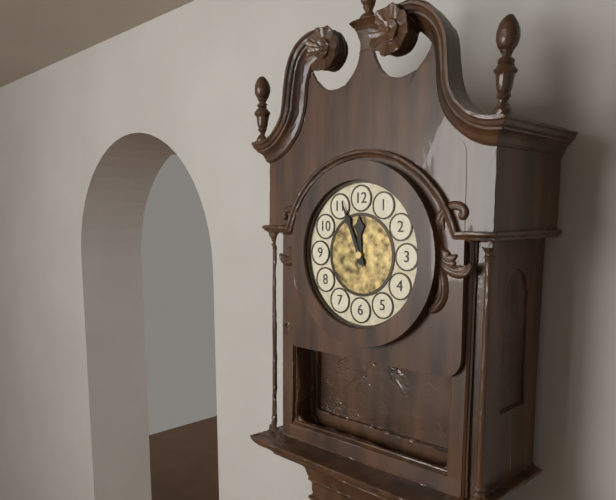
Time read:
11,56
